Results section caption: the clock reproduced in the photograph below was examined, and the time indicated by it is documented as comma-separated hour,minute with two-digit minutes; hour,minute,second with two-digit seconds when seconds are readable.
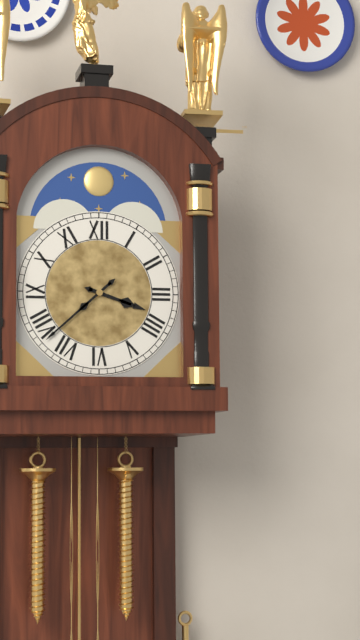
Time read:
3,38
